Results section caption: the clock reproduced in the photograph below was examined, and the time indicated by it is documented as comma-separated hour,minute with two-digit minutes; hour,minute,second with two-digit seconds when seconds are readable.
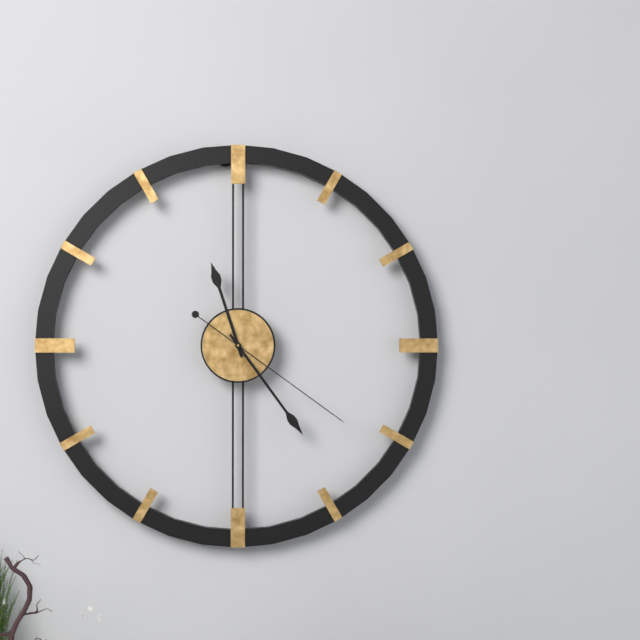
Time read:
11,24,21
